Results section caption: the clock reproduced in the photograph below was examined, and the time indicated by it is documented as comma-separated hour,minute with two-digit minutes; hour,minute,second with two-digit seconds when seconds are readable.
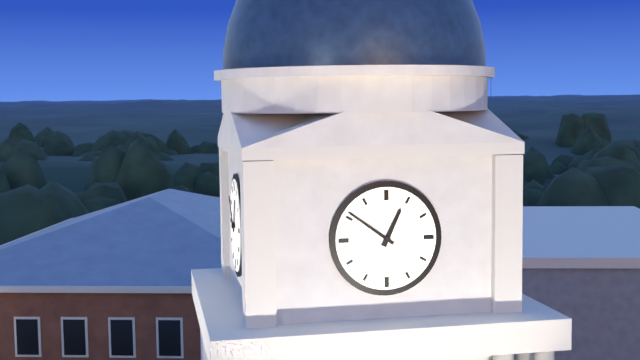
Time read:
12,51
